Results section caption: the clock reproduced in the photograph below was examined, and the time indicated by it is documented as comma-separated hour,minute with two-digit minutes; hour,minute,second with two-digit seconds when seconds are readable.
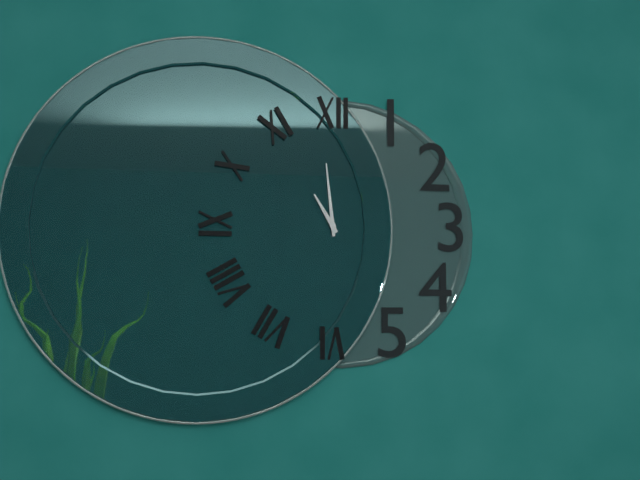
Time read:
10,59
